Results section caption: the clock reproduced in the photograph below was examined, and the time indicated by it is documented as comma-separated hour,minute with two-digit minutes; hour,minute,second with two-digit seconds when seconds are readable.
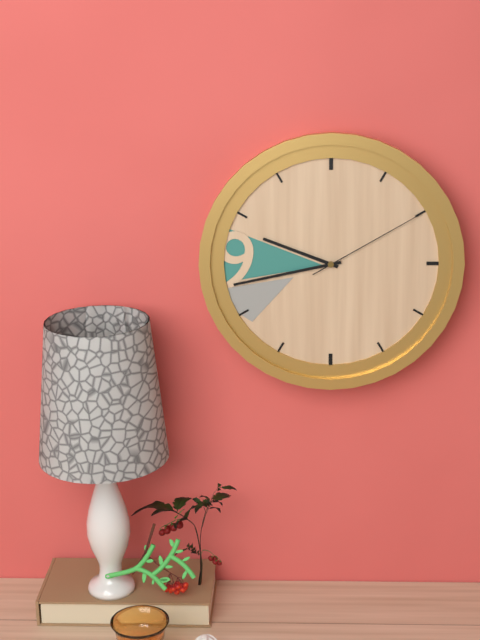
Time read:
9,43,10
